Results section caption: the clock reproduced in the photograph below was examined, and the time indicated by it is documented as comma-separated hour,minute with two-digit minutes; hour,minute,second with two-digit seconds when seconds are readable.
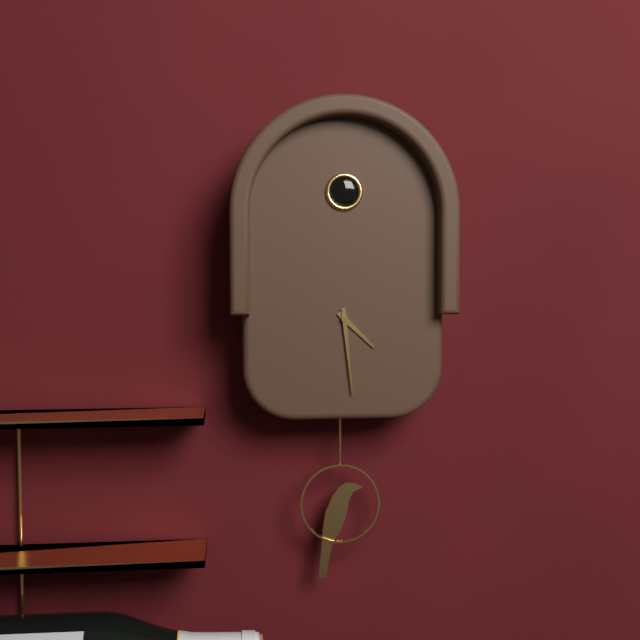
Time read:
4,29
